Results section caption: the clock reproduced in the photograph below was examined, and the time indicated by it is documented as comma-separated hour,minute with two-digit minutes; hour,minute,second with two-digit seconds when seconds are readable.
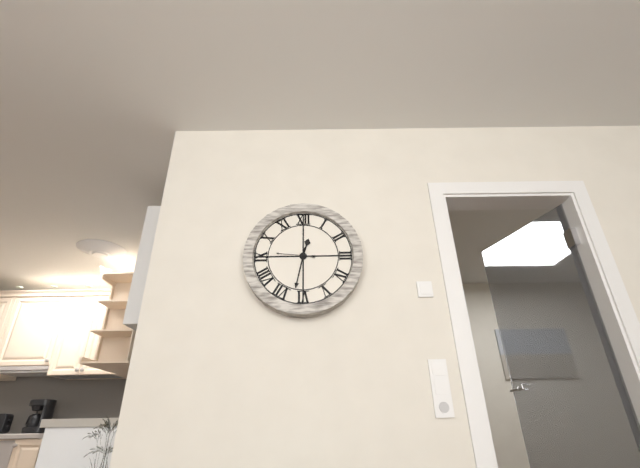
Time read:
12,32
